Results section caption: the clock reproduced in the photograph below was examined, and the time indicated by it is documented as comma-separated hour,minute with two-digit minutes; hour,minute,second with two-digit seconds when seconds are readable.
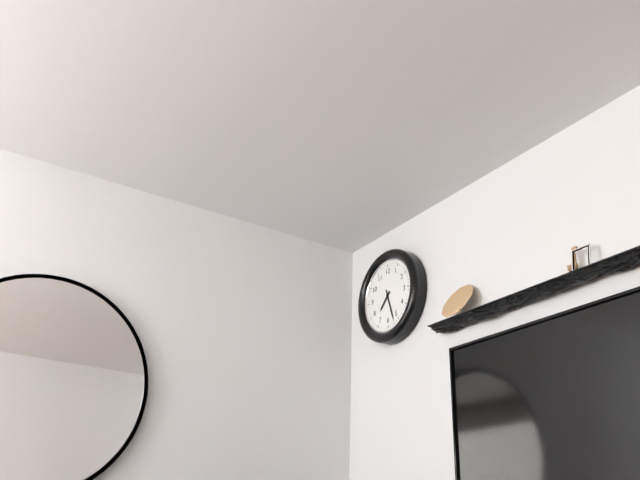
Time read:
7,27
